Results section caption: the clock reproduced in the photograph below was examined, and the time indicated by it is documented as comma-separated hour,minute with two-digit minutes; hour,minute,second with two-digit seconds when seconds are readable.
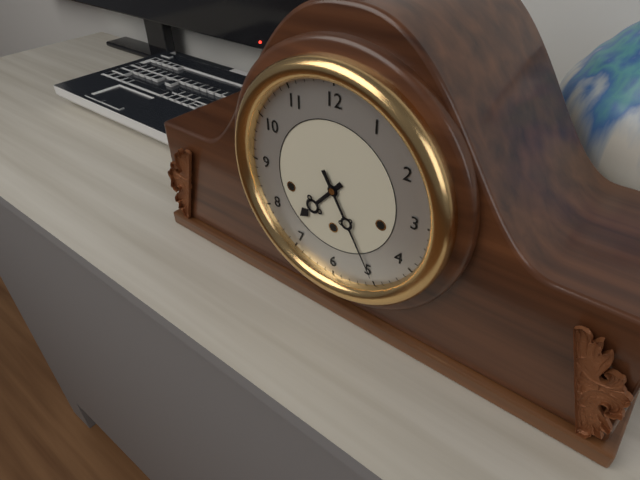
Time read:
7,25
